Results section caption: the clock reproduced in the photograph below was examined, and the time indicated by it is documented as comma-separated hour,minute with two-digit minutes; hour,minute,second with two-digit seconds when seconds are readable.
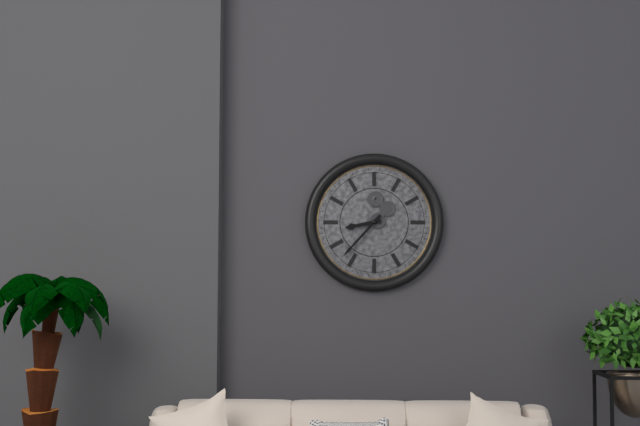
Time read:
8,37
